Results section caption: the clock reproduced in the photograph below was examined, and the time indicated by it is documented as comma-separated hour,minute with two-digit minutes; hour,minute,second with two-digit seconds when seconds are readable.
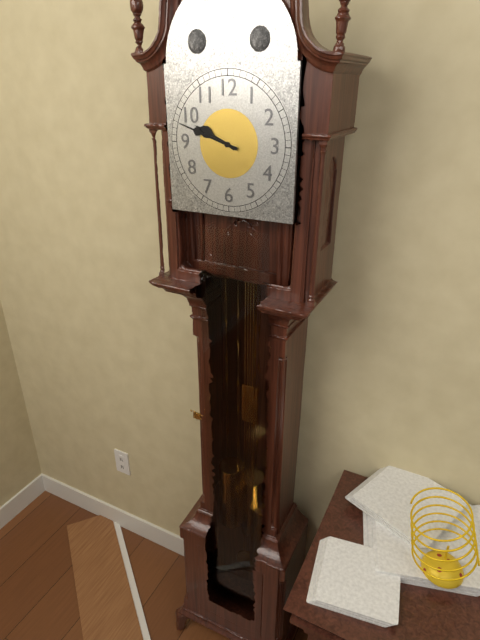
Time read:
9,48
